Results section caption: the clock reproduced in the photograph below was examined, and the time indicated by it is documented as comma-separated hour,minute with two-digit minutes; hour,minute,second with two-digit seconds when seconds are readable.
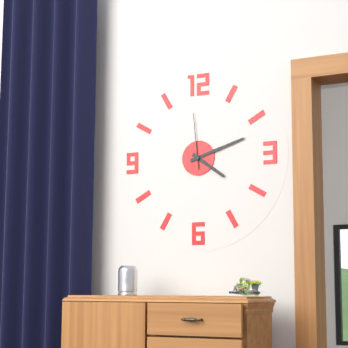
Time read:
4,12,59
